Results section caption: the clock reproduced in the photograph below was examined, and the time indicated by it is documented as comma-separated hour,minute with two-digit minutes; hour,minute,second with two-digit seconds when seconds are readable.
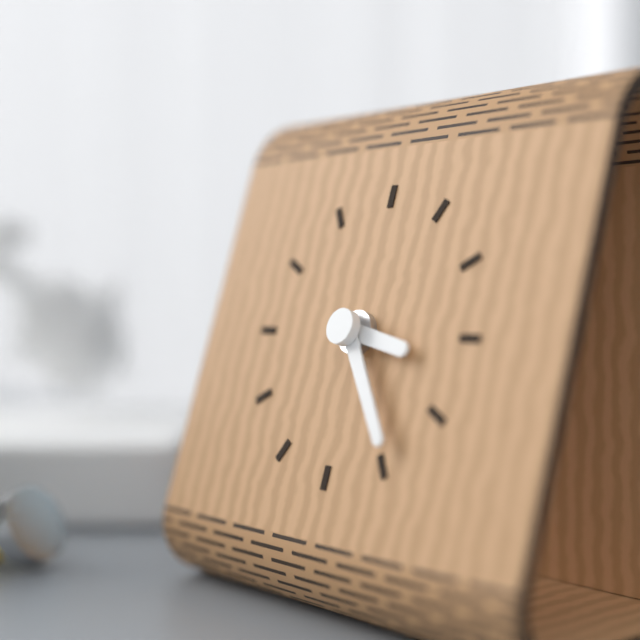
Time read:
3,24
